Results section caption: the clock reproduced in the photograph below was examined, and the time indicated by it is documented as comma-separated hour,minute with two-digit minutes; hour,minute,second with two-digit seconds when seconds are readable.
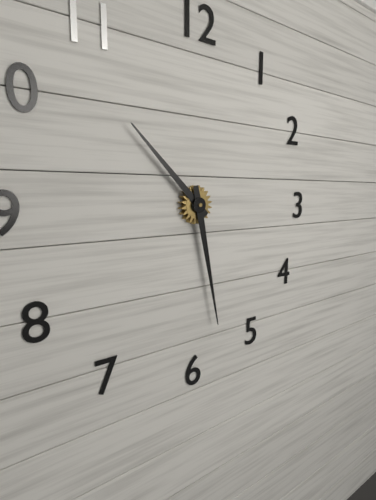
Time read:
10,28
